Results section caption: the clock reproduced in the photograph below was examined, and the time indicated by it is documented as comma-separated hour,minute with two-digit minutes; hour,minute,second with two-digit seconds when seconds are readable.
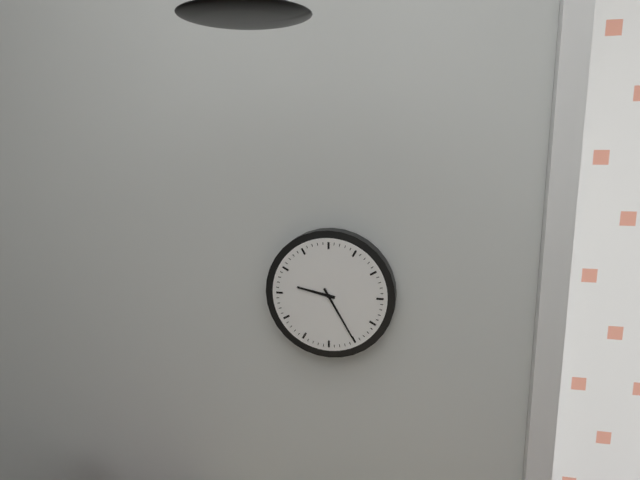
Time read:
9,25
